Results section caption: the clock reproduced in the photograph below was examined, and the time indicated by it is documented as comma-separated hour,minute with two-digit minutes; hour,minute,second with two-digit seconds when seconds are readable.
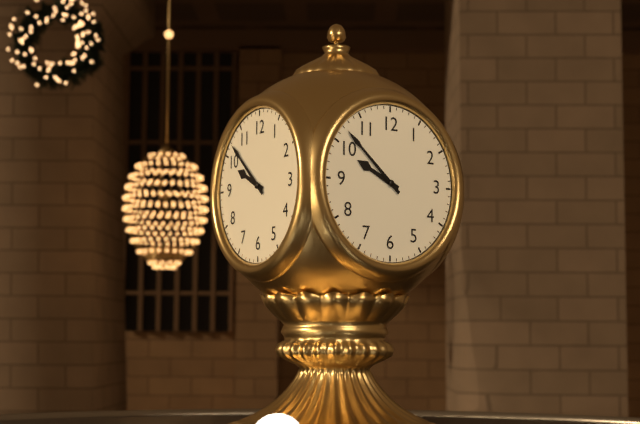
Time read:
9,52
